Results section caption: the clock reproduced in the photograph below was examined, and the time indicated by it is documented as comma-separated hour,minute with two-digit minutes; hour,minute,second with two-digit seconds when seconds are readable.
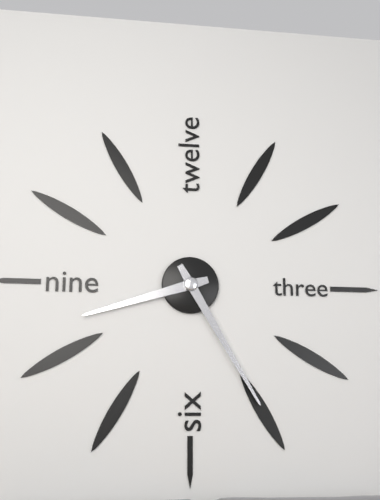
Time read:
8,25
